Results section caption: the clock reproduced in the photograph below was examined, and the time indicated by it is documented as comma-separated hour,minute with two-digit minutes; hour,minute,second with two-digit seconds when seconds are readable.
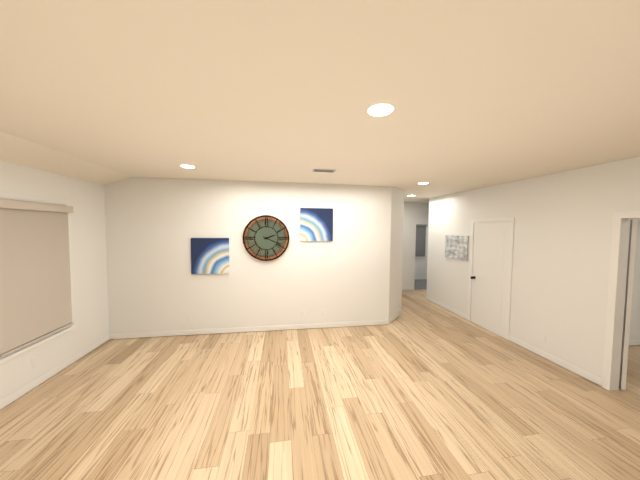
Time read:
2,19
